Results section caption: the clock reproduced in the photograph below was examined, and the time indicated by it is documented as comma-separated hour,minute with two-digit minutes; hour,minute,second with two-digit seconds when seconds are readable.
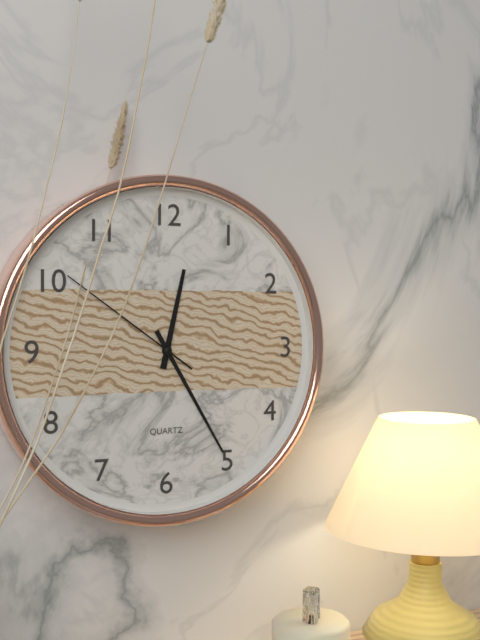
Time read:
12,25,51
